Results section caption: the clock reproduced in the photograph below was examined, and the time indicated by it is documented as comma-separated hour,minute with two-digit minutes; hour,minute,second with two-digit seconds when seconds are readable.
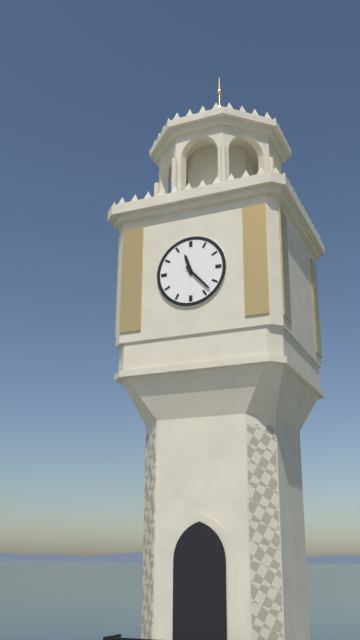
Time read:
11,23
